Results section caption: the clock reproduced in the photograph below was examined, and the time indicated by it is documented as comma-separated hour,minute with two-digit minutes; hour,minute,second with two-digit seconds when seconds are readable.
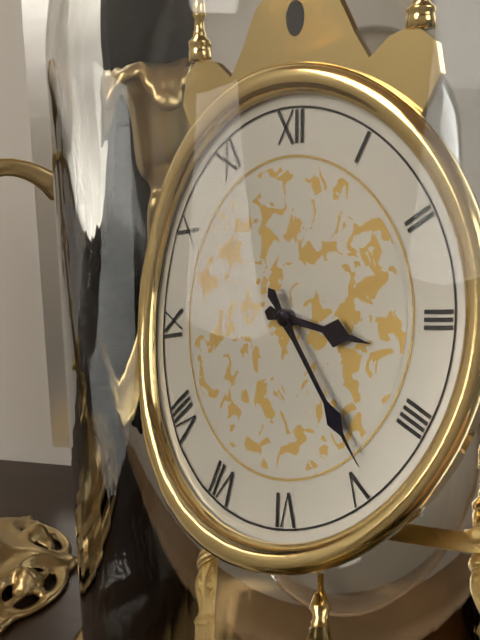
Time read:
3,24
